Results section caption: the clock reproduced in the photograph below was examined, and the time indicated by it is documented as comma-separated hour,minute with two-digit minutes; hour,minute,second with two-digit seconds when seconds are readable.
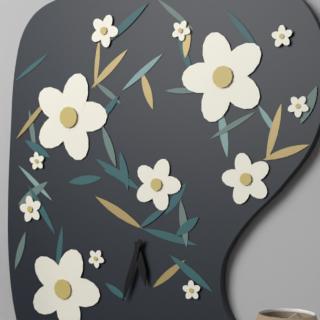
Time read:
5,33
